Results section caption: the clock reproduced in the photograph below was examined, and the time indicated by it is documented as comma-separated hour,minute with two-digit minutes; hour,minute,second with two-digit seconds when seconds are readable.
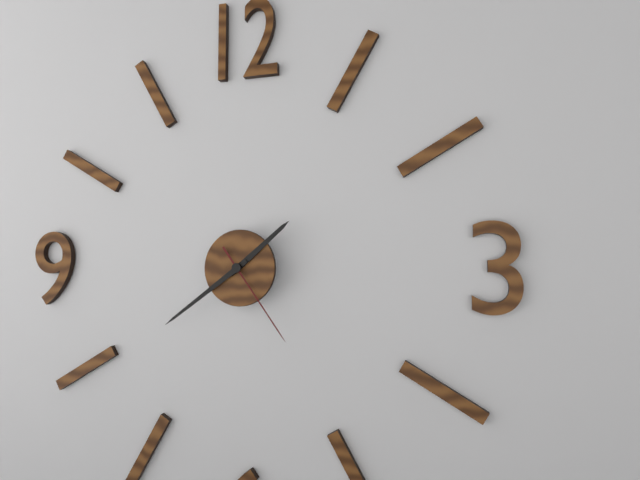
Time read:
1,39,24
